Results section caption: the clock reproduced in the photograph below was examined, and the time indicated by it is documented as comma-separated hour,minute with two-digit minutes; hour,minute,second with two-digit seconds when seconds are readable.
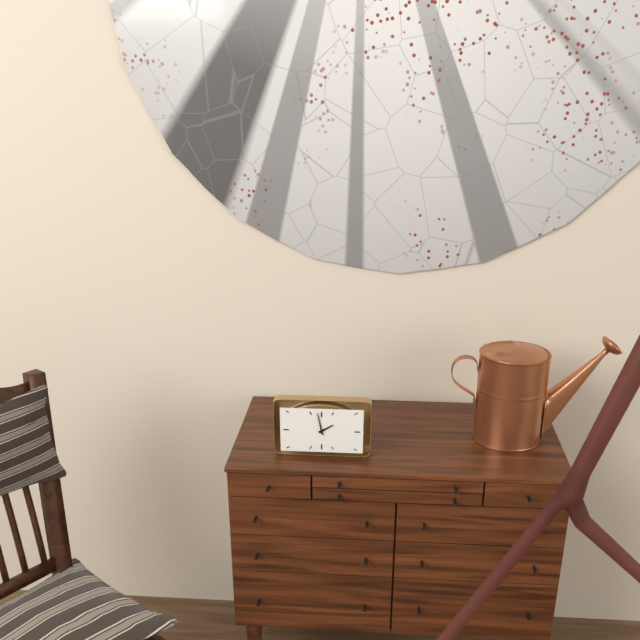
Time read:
1,58
